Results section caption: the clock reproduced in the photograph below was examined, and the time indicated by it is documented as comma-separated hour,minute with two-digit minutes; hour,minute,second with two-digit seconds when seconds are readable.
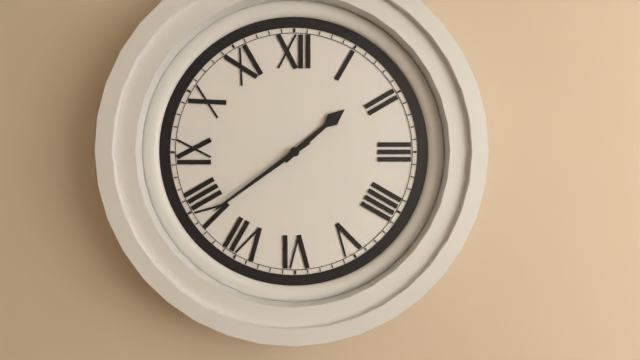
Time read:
1,39
